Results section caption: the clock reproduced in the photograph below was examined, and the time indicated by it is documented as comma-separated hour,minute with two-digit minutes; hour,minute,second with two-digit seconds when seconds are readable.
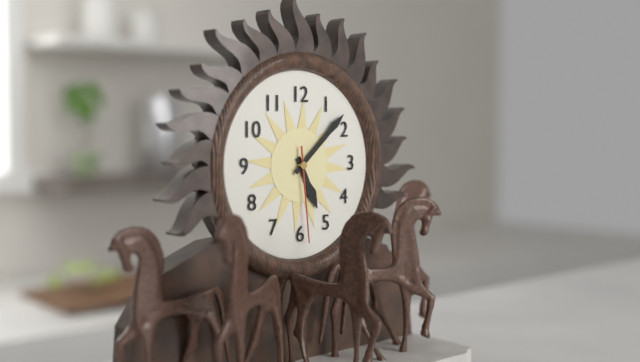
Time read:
5,08,29
